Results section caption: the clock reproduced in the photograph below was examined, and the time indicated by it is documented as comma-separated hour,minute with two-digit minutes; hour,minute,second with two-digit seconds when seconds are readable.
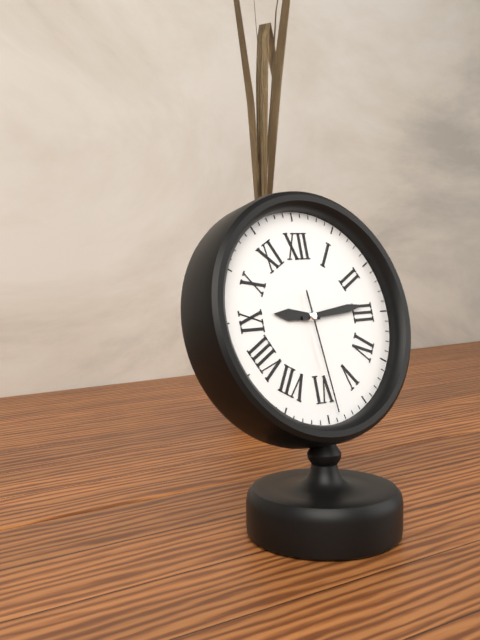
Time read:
9,14,29
